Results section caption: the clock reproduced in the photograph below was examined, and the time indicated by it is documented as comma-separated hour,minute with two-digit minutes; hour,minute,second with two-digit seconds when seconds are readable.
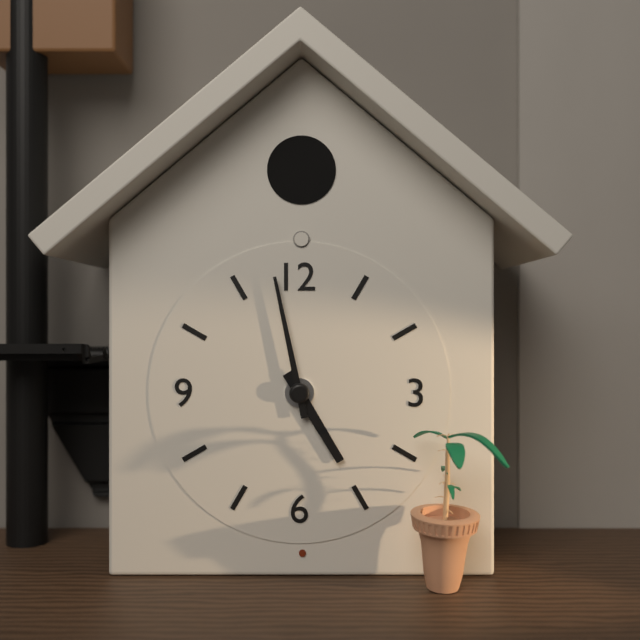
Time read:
4,58
